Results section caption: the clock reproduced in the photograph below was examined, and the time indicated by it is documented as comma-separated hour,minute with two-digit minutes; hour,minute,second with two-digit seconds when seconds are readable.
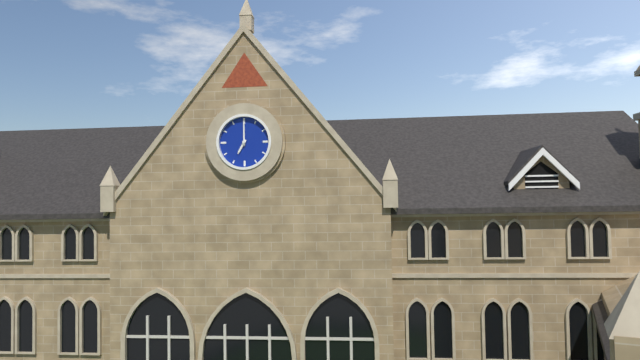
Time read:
7,00
